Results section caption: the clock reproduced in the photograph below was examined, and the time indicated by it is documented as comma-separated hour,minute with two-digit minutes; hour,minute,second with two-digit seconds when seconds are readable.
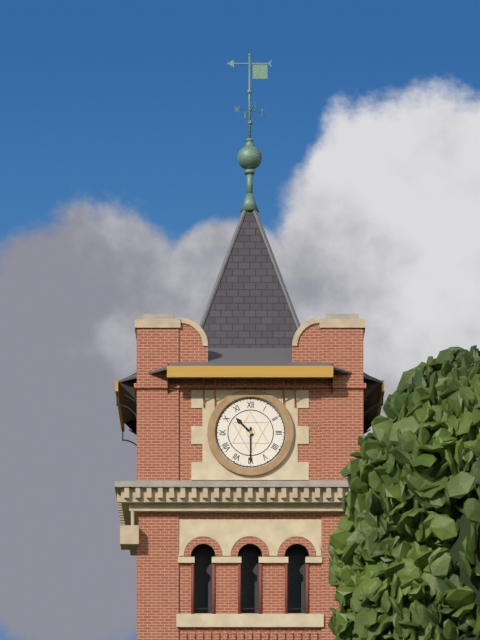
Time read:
10,30
